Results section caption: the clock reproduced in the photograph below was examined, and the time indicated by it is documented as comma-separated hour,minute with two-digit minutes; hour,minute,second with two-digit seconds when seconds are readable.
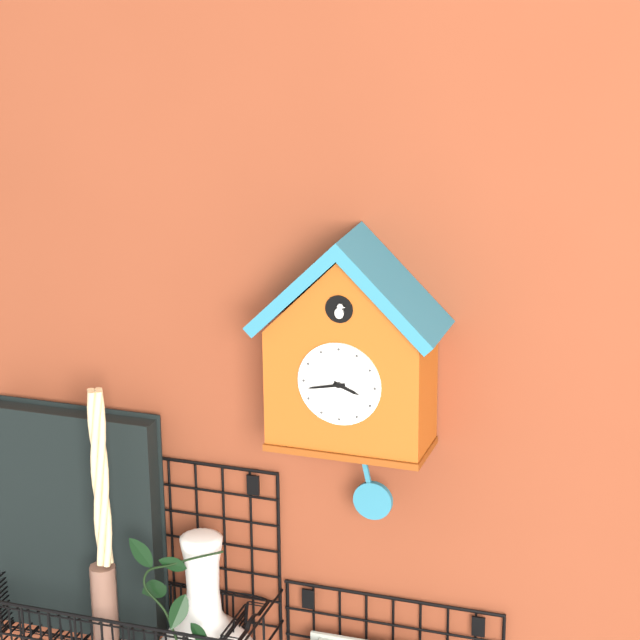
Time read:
3,43
